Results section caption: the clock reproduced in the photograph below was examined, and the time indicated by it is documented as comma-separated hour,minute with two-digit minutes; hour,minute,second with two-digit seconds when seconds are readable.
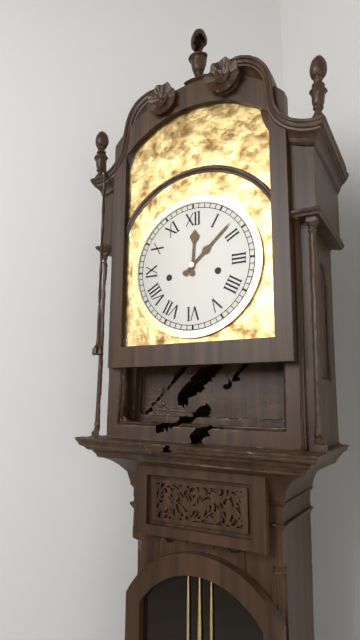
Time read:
12,08
